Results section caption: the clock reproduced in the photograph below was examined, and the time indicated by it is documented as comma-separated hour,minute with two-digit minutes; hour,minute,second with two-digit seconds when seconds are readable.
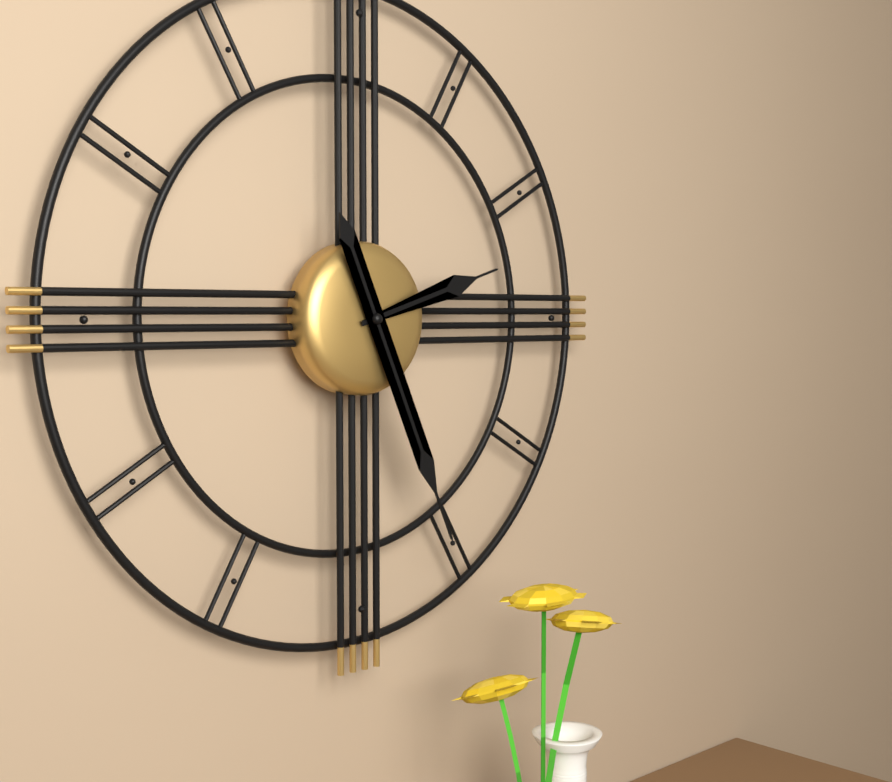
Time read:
2,26
